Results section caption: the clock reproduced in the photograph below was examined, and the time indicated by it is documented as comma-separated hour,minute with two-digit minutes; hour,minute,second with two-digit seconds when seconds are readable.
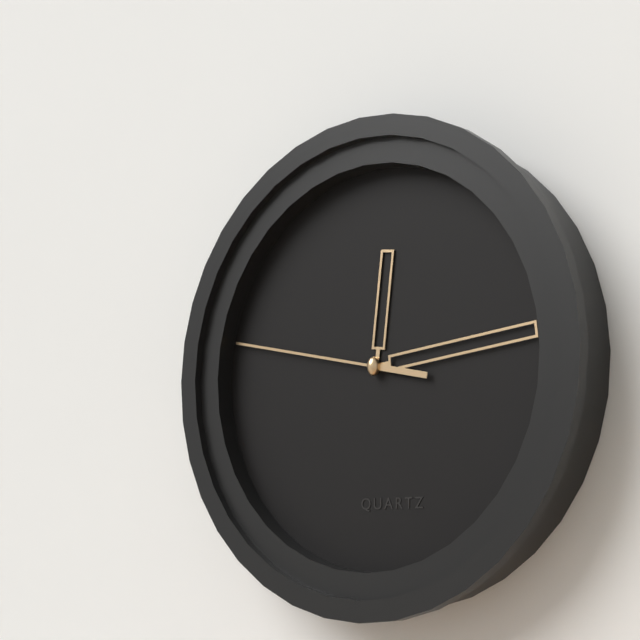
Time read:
12,14,47
